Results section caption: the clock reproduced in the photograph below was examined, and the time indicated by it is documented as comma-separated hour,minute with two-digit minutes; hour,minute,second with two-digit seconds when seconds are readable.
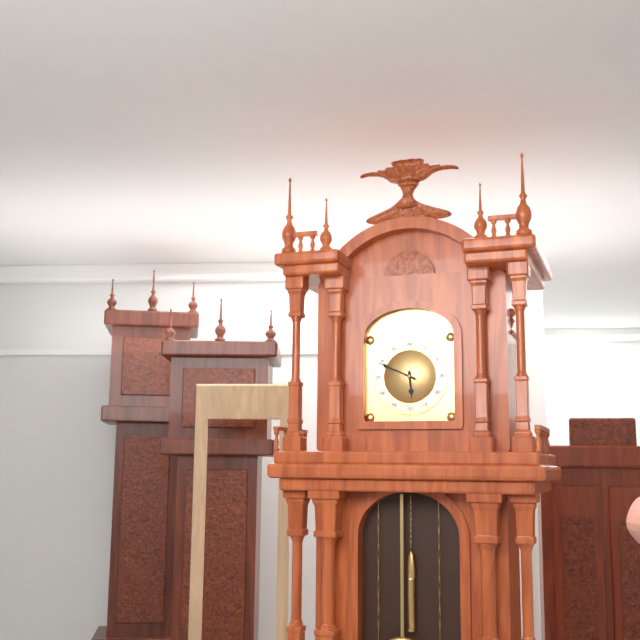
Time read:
5,49
